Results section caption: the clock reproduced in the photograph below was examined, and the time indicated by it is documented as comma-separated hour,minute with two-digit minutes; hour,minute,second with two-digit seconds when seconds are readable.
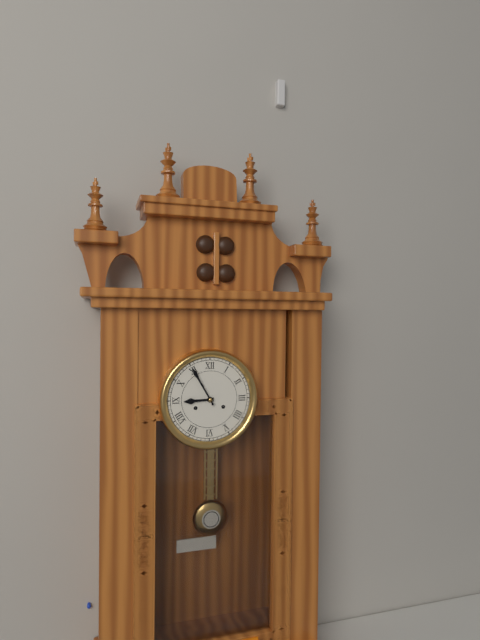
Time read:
8,55
